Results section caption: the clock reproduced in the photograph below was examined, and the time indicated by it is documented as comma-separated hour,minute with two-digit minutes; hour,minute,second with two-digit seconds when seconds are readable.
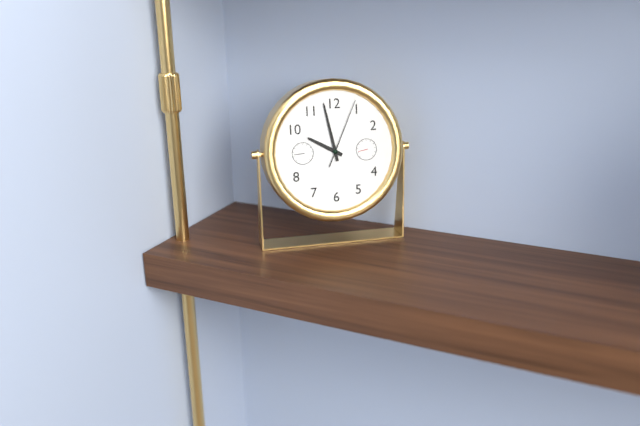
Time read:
9,58,04
